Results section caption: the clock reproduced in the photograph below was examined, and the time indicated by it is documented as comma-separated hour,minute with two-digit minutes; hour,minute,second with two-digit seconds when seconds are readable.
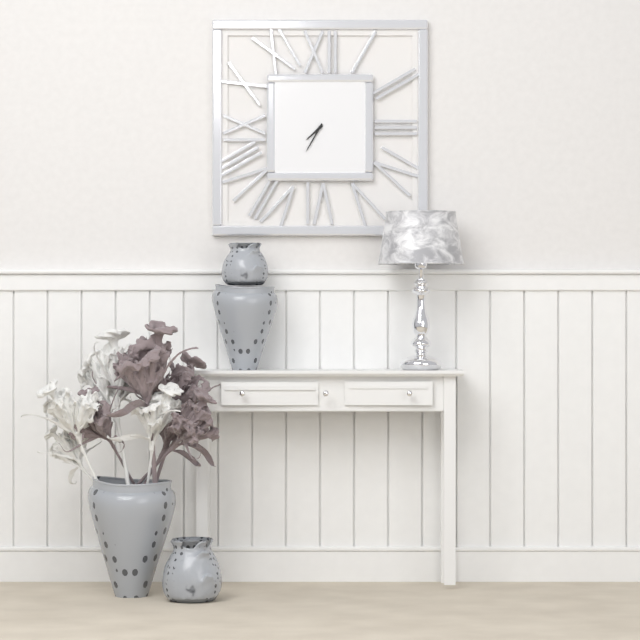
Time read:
7,35
